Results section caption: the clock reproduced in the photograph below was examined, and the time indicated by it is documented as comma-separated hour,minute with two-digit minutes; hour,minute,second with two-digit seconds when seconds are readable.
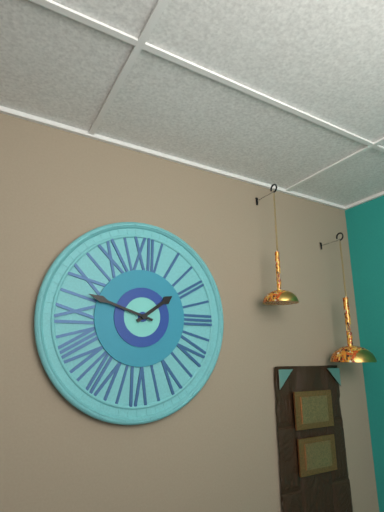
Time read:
1,48
